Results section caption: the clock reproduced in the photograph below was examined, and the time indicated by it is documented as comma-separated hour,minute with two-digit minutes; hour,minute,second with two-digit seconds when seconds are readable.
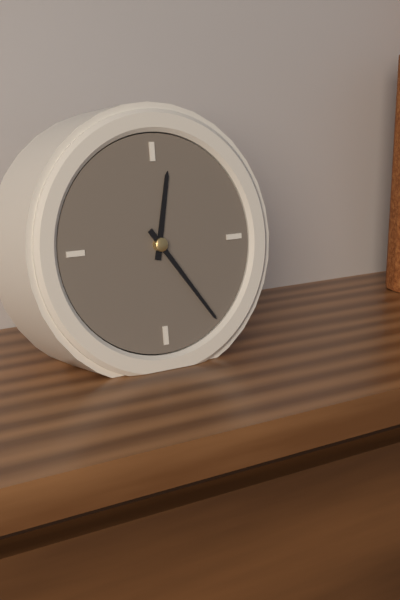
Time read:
12,24
